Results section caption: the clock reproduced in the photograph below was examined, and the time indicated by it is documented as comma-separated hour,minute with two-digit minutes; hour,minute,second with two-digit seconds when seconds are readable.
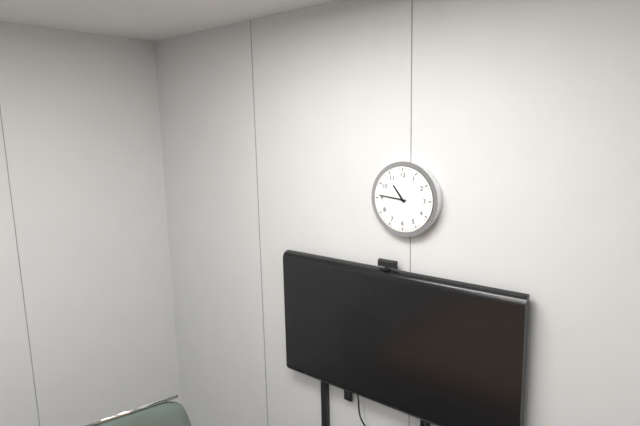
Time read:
10,46
